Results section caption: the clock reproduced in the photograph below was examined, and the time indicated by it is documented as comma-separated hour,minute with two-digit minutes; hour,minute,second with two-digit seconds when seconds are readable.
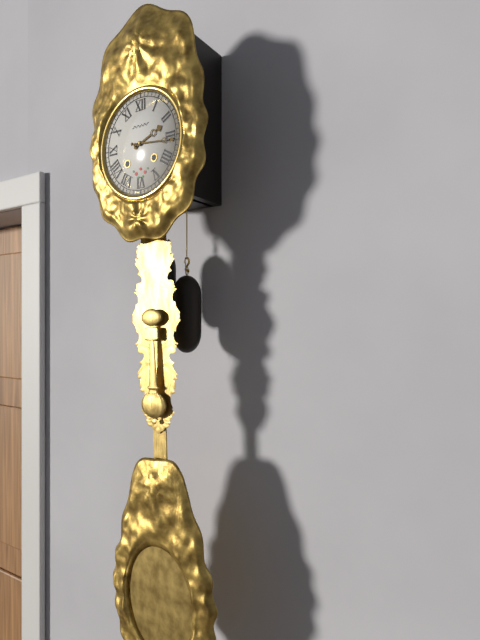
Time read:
2,16
